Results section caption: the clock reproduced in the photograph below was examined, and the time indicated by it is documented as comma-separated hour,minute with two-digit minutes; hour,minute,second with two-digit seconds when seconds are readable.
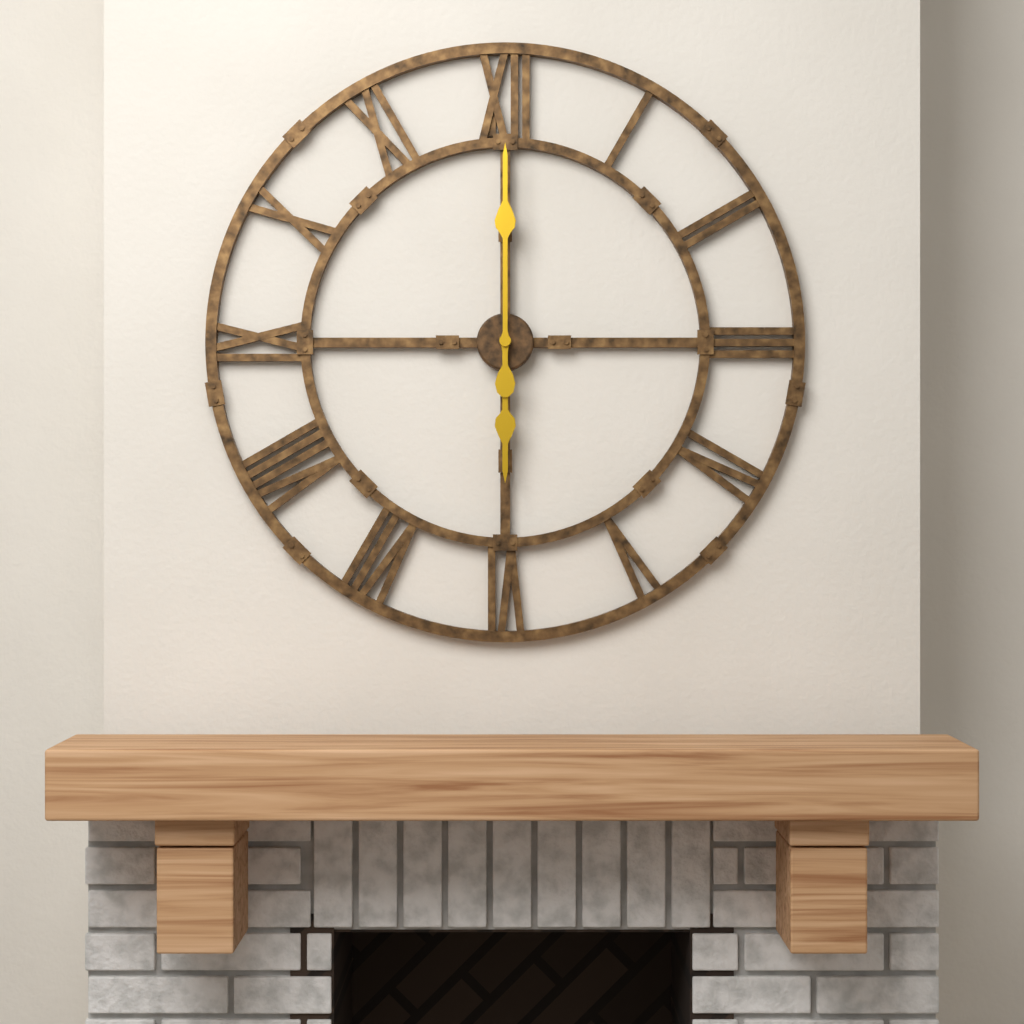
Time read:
6,00
